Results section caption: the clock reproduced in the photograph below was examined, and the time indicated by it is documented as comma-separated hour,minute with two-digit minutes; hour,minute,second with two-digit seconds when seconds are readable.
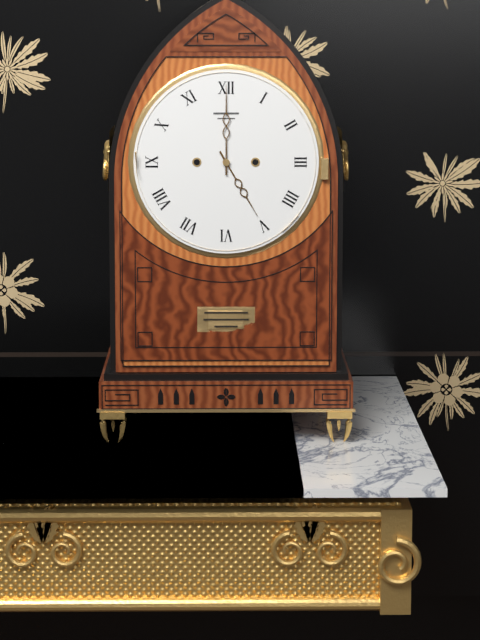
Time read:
5,00
